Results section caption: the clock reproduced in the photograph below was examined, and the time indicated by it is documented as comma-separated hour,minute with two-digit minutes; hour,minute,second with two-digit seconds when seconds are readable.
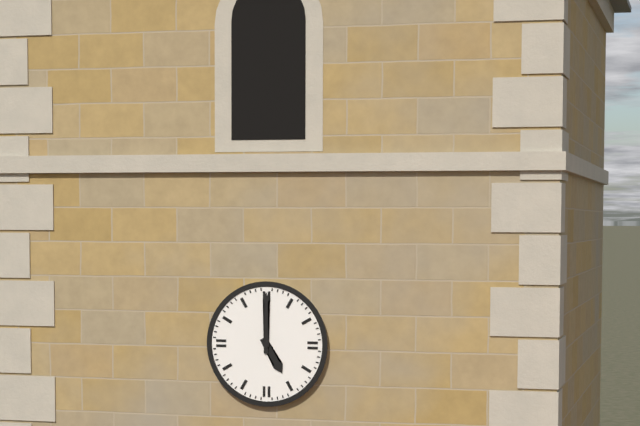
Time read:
5,00
